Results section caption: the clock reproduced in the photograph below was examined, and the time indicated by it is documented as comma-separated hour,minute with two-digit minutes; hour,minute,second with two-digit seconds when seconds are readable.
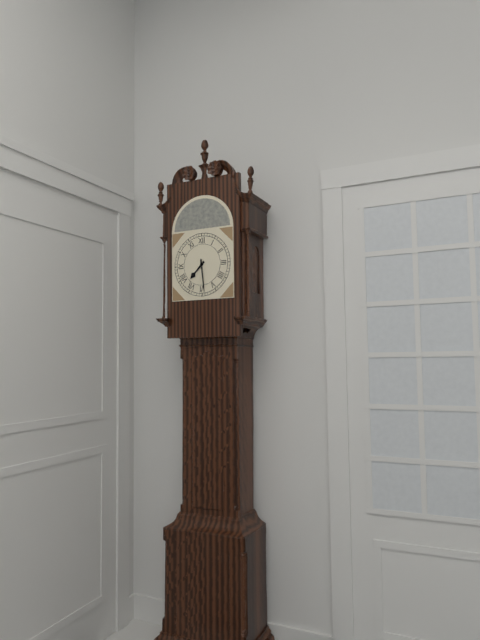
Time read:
7,29
